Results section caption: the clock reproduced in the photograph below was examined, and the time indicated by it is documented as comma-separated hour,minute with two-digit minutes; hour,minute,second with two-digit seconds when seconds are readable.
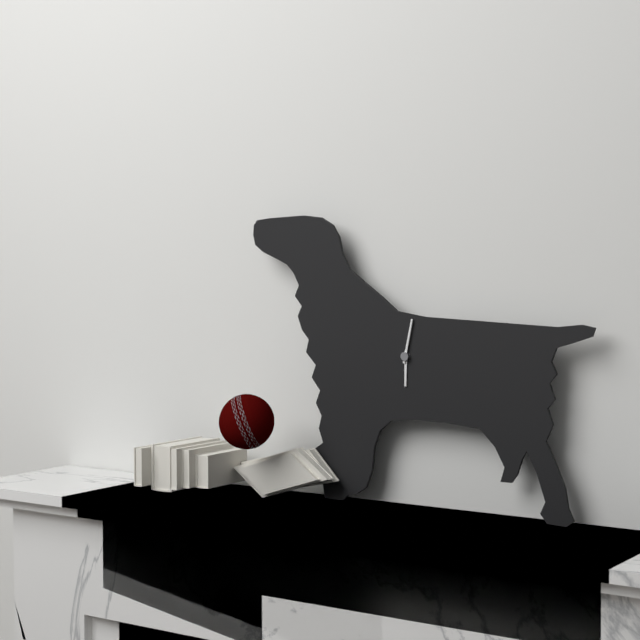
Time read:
6,02
